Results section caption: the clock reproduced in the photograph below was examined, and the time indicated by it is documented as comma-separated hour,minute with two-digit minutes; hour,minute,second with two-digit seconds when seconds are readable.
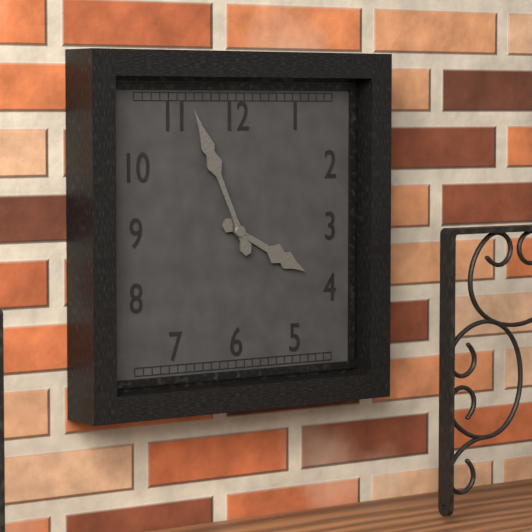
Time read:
3,56
